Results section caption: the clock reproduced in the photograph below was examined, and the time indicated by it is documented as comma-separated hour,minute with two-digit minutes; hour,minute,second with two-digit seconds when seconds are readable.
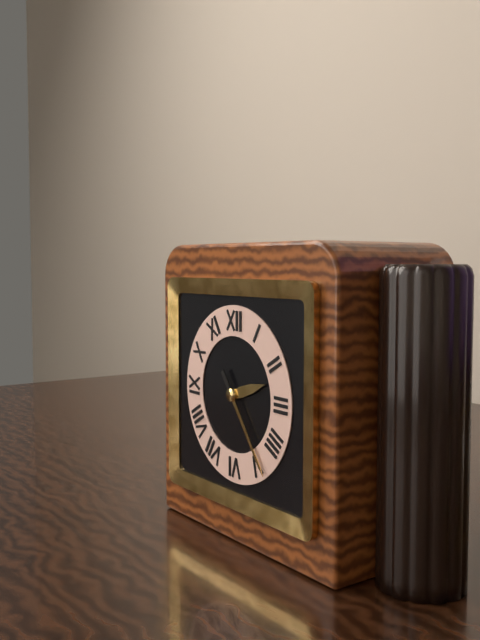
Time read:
2,24
